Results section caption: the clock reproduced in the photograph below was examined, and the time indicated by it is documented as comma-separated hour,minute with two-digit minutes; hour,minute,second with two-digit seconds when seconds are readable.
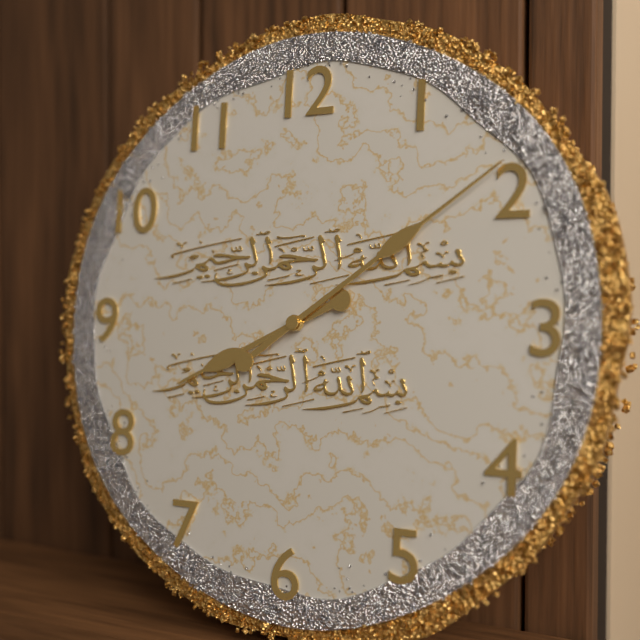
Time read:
8,09
